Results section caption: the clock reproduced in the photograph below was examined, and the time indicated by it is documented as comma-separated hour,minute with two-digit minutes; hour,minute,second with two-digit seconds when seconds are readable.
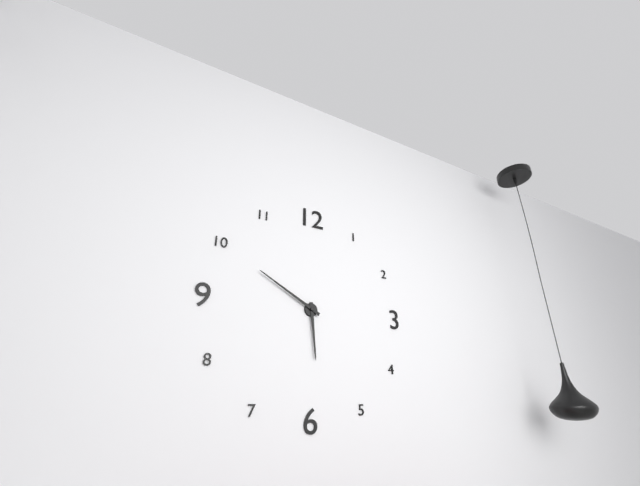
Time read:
5,50
